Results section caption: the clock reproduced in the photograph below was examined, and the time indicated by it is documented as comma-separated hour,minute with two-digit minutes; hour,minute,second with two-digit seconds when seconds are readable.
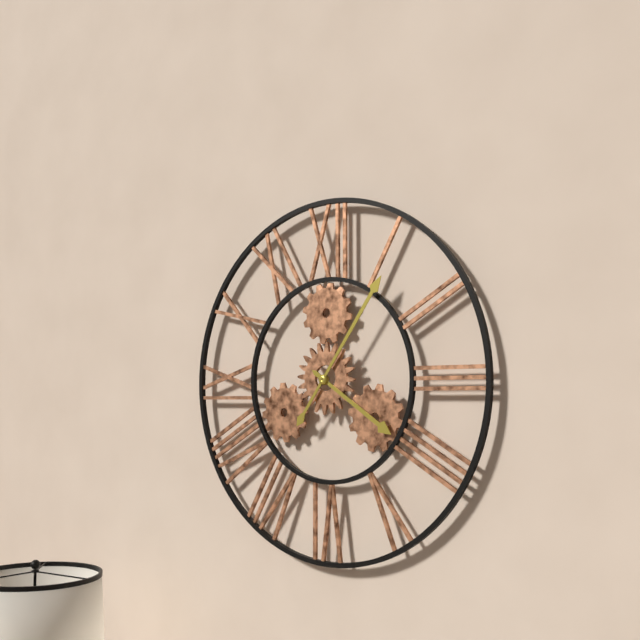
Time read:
4,06
